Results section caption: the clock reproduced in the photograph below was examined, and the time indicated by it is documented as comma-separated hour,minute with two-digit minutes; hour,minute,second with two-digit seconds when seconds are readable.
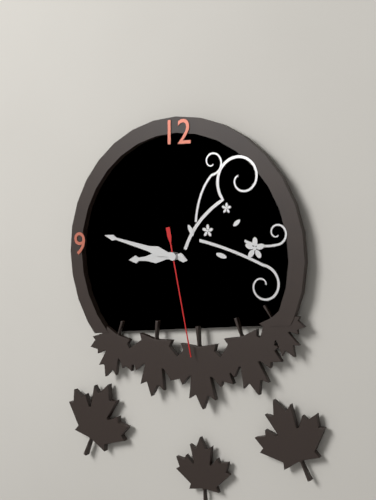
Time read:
8,47,28
